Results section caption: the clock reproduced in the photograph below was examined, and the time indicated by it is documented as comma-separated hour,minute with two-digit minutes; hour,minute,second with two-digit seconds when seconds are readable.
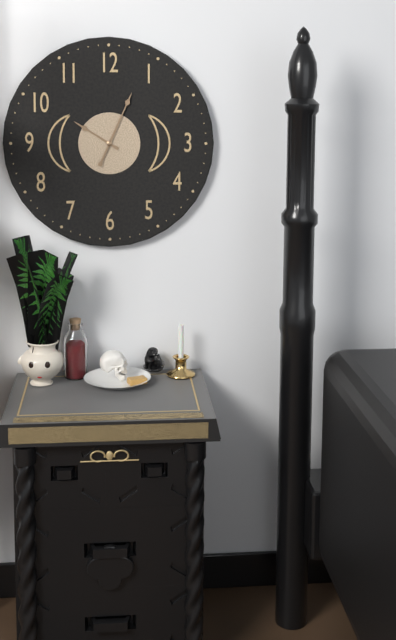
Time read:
10,04
